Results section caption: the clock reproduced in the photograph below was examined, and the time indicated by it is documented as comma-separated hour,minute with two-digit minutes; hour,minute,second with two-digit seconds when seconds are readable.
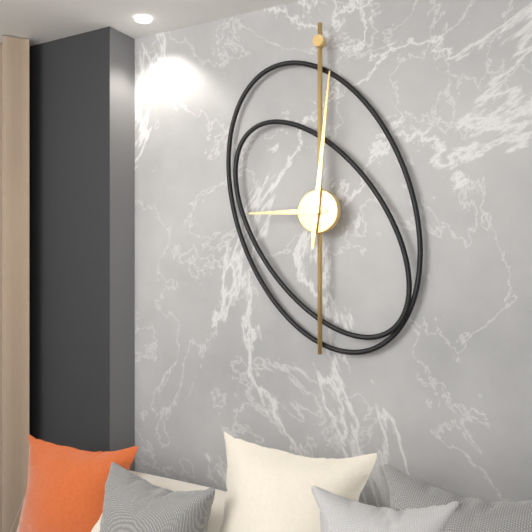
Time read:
9,01
